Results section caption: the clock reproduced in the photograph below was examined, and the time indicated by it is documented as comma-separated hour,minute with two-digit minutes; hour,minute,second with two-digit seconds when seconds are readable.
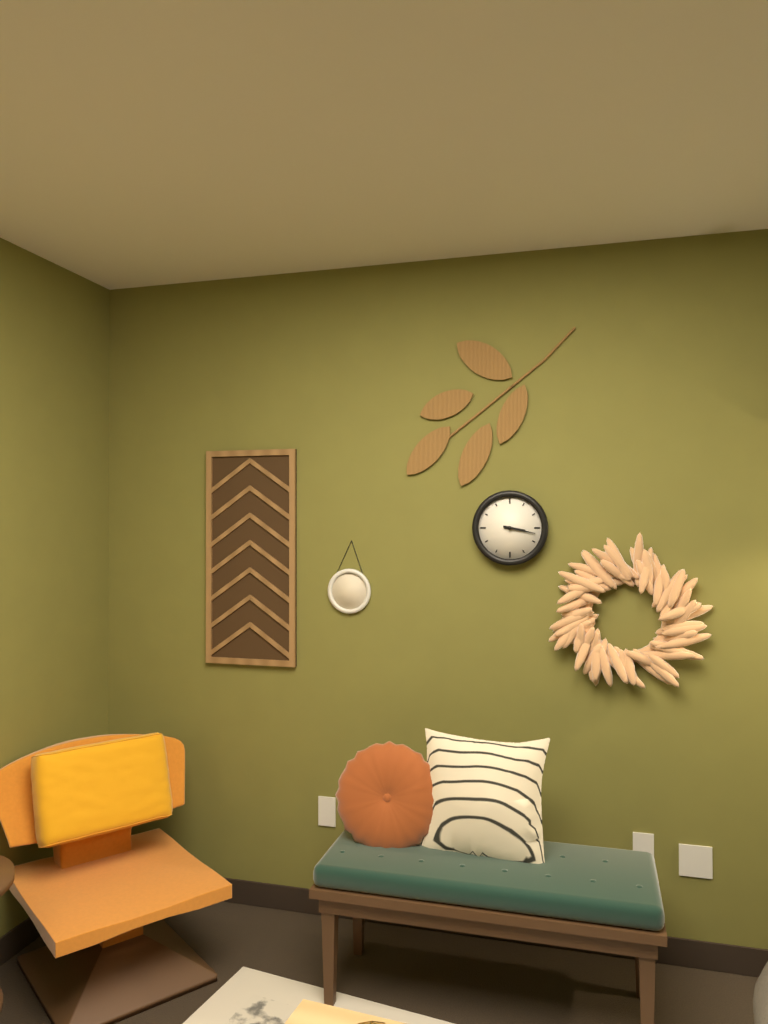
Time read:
3,17
